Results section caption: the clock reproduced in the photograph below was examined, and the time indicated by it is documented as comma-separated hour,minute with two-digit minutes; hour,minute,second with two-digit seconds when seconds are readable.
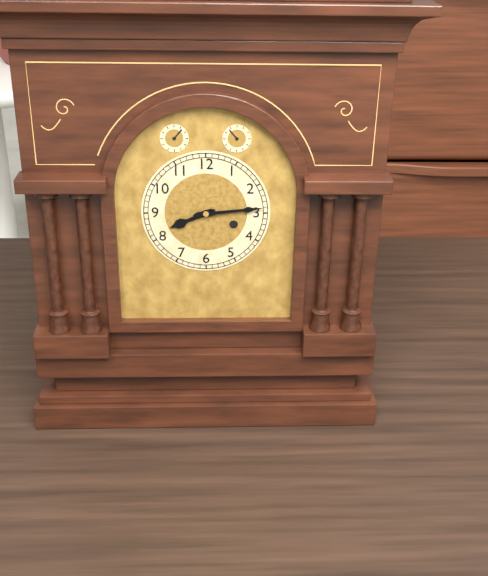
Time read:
8,14
